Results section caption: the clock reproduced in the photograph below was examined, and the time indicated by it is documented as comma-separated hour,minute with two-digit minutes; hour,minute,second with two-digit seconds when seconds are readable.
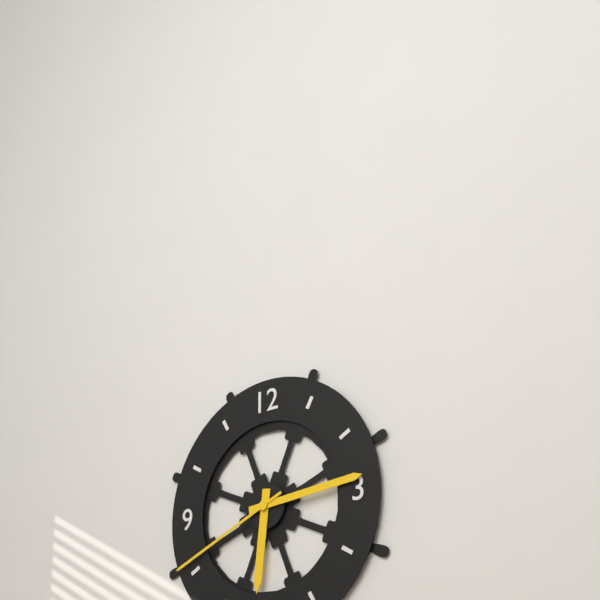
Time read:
6,14,41
